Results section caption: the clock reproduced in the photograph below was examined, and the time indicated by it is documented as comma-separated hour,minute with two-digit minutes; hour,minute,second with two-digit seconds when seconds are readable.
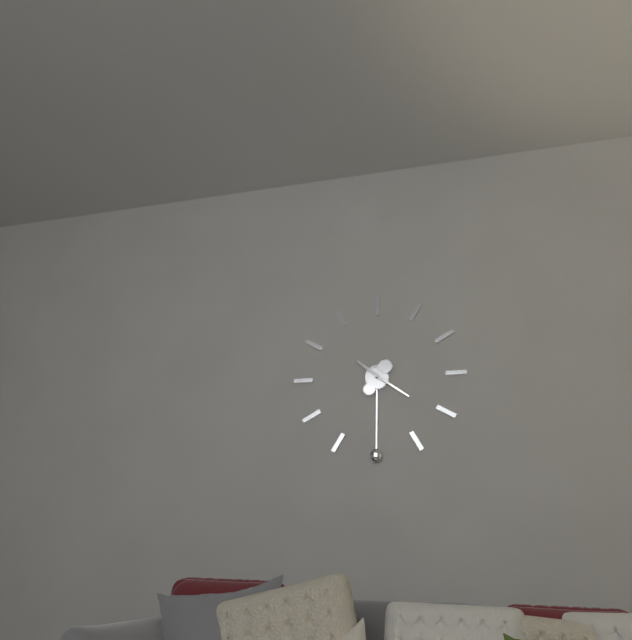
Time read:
10,21
